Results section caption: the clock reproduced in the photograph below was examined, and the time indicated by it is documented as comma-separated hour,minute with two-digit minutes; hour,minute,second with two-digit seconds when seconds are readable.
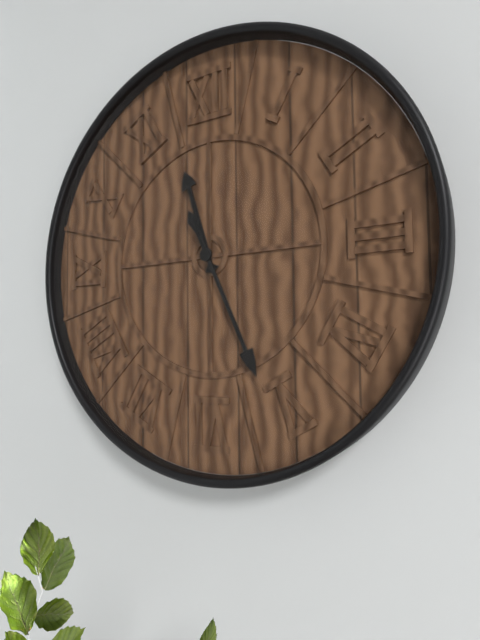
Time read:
11,26
